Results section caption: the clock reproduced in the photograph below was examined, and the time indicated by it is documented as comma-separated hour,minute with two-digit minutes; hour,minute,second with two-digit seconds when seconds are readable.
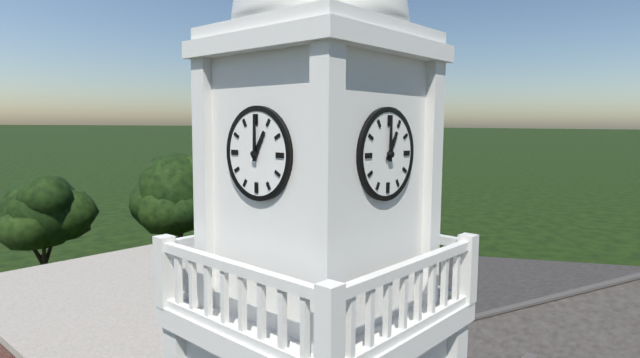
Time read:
1,00
